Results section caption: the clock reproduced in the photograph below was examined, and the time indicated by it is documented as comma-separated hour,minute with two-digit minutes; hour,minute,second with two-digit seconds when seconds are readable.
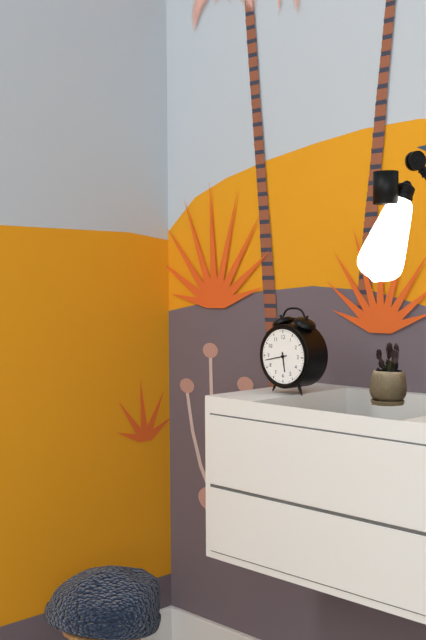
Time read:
5,43
